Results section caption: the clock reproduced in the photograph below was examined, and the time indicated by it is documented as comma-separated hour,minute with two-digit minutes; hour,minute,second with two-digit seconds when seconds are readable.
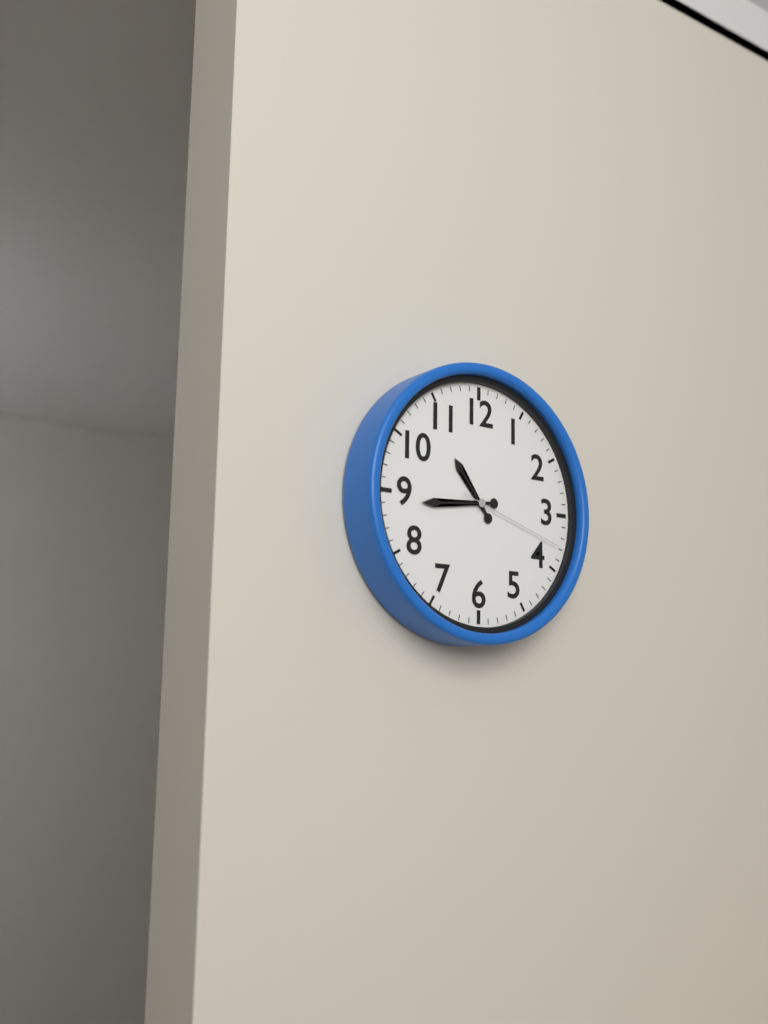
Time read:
10,44,18
